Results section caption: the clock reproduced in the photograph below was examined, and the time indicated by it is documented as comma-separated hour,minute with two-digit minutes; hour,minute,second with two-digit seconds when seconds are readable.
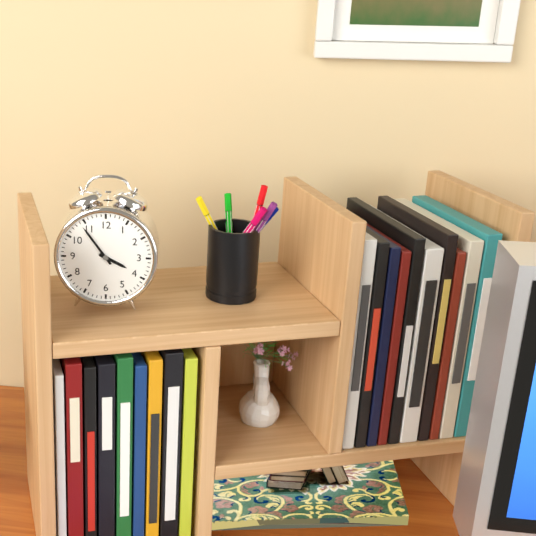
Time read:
3,54
